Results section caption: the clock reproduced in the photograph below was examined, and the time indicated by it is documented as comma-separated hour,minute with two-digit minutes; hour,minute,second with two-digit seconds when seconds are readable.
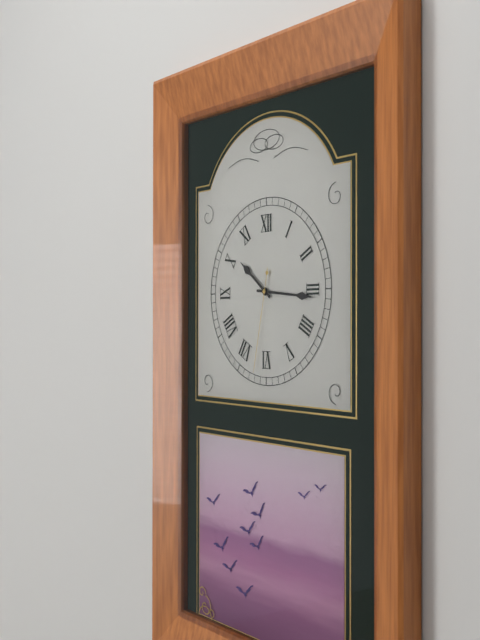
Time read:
10,16,32
